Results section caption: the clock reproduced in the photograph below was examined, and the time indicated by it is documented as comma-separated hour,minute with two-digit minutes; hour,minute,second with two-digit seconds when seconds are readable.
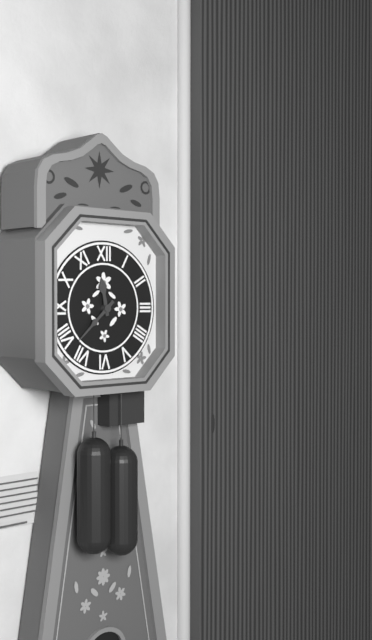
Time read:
11,38
